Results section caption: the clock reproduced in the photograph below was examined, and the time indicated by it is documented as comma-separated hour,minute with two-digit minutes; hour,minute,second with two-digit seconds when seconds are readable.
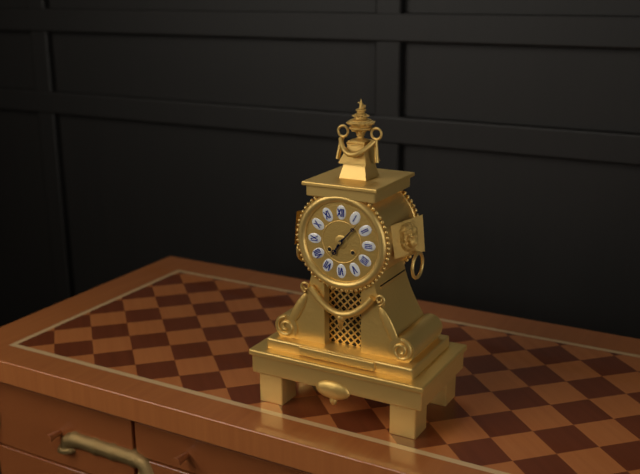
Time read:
7,07
